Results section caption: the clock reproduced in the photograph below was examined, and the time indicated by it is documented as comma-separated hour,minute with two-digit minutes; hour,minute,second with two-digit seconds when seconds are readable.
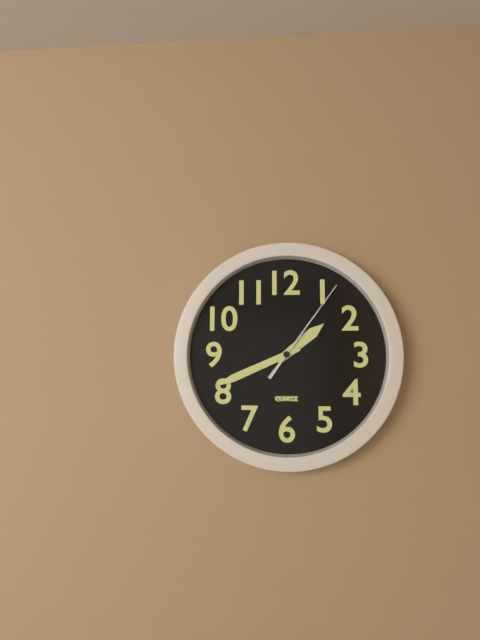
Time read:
1,41,06
